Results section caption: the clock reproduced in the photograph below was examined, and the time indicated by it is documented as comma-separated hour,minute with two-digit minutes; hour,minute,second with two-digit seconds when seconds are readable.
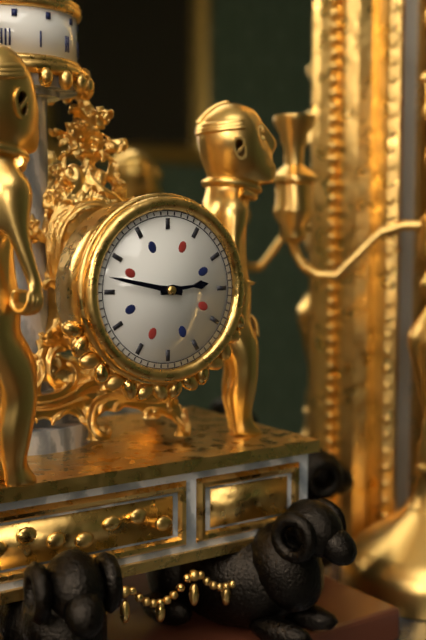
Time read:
2,47
